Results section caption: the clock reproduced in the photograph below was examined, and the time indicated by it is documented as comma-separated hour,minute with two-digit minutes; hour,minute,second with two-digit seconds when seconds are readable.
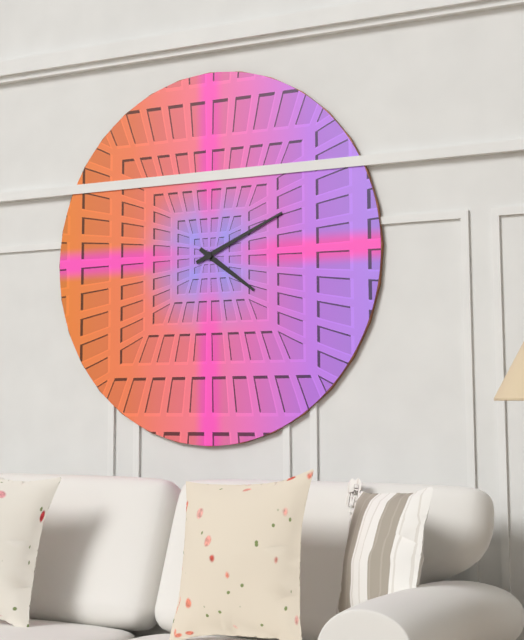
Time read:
4,11
